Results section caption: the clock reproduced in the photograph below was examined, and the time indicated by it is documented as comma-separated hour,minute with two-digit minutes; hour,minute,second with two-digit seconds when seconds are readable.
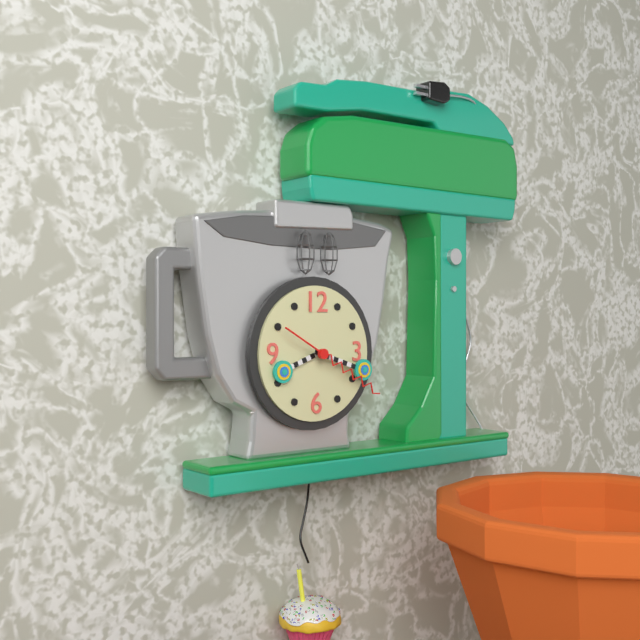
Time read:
8,18,20
